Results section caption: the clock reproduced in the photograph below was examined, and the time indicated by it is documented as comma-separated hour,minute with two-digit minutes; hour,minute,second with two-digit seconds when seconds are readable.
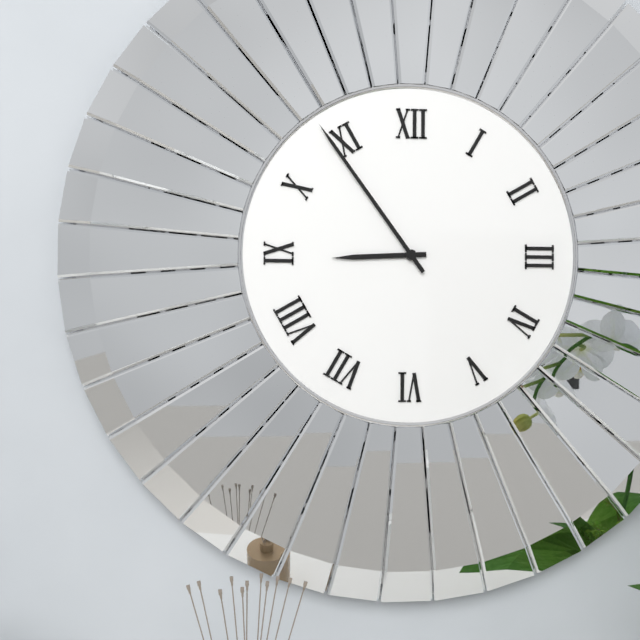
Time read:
8,54
